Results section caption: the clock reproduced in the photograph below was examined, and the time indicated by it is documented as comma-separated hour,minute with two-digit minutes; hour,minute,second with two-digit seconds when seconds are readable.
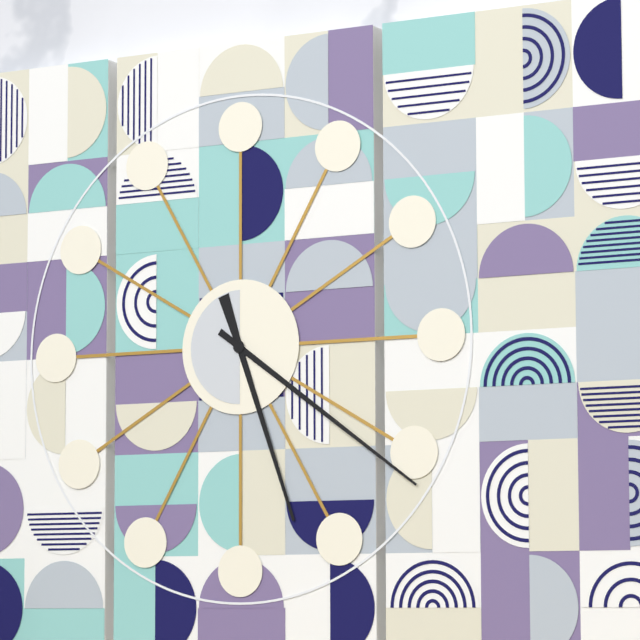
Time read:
5,21
